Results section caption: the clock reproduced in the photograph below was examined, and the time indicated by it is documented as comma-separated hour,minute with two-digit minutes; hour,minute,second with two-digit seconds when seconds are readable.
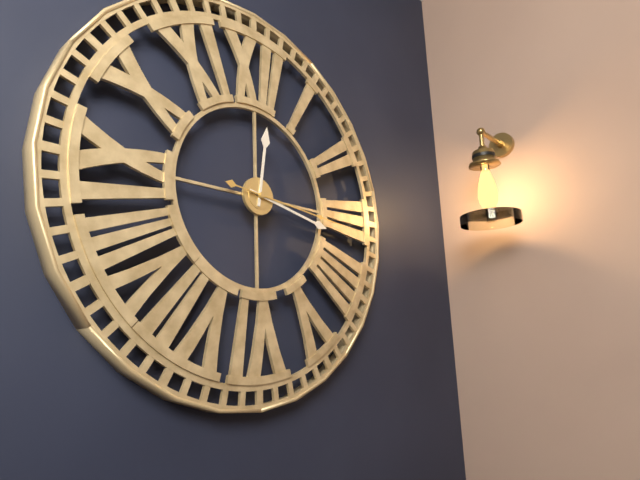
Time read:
12,17,16
